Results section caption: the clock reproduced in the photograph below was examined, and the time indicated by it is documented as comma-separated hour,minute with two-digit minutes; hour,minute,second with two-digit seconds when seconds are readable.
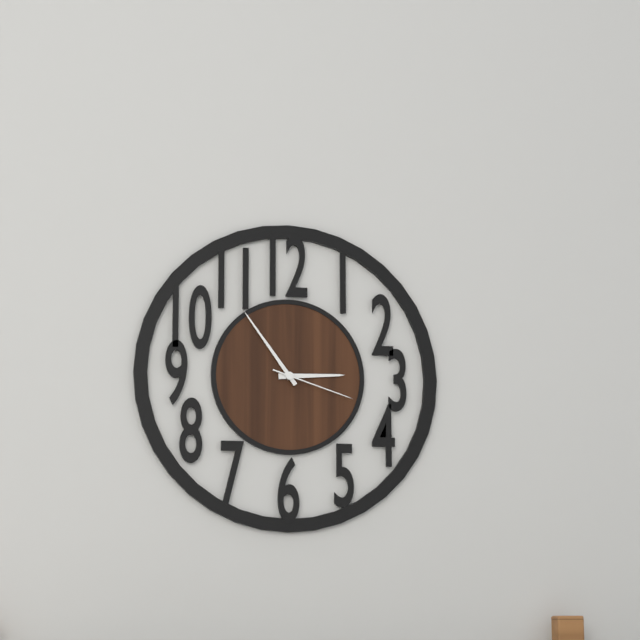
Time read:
2,54,18
